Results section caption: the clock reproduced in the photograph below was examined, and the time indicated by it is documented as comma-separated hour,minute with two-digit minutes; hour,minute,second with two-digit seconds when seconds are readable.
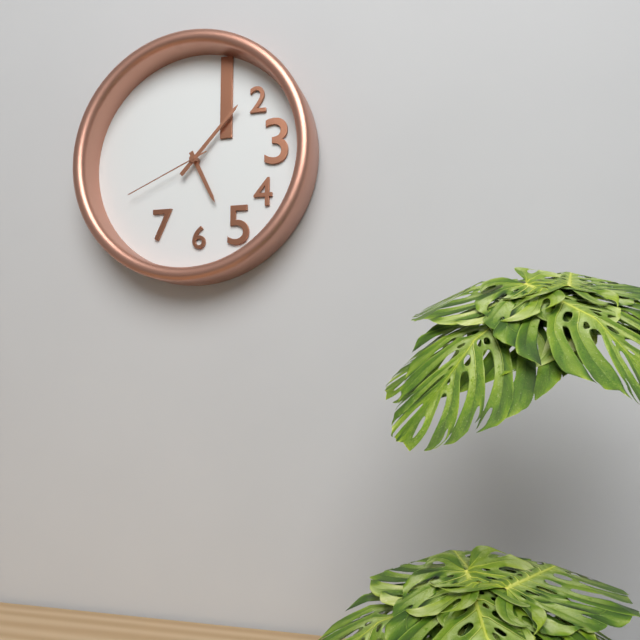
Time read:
5,07,41
